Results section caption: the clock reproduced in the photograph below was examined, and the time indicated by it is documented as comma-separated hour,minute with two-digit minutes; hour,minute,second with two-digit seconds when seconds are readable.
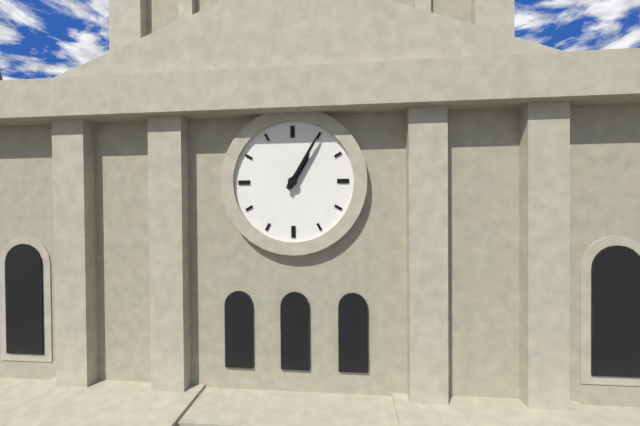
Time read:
1,05
